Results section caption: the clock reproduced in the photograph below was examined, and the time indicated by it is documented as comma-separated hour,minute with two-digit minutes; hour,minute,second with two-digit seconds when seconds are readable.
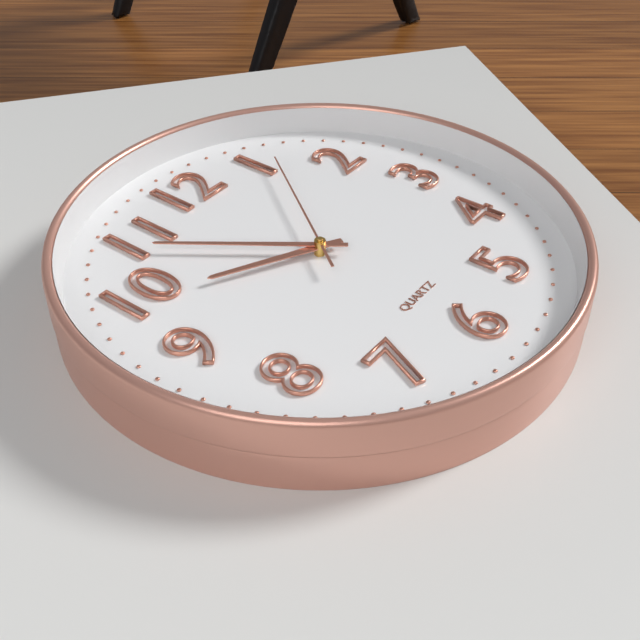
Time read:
9,54,06
